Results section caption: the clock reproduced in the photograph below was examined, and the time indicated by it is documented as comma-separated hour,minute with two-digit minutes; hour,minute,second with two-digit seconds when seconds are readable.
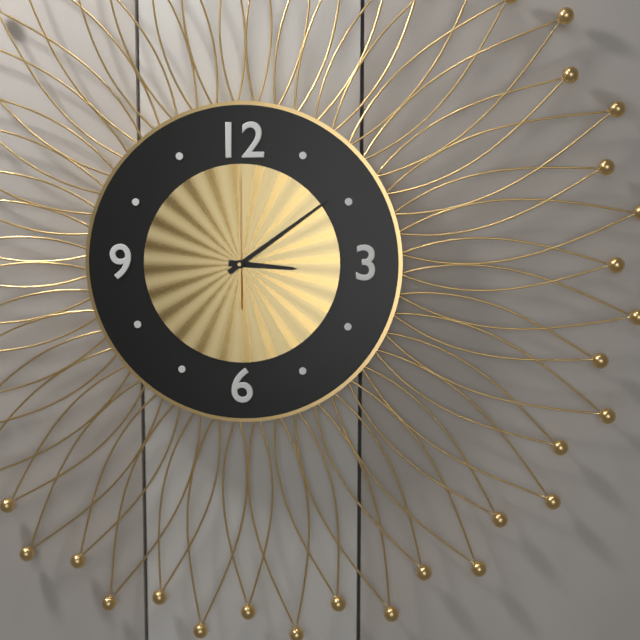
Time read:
3,09,00
